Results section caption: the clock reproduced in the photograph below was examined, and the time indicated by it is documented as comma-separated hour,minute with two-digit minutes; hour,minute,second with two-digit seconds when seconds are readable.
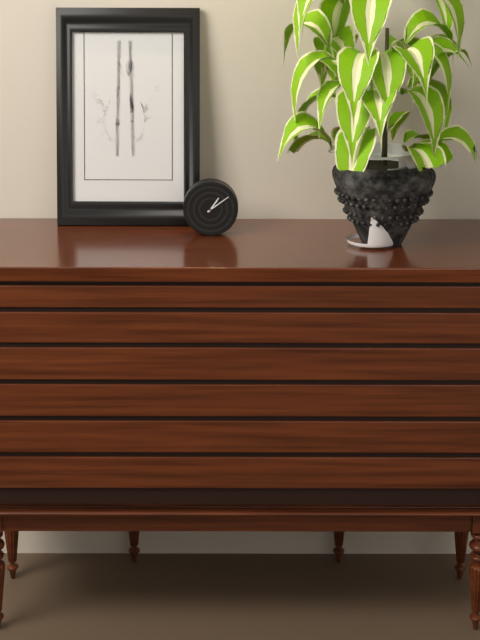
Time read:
1,09
